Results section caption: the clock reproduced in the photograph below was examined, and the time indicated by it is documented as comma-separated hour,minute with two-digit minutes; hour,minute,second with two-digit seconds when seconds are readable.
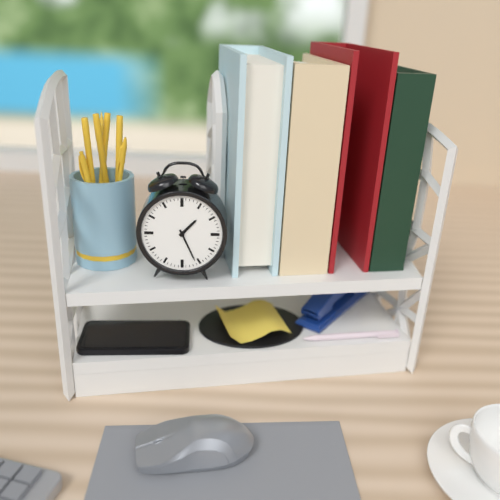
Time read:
1,26
